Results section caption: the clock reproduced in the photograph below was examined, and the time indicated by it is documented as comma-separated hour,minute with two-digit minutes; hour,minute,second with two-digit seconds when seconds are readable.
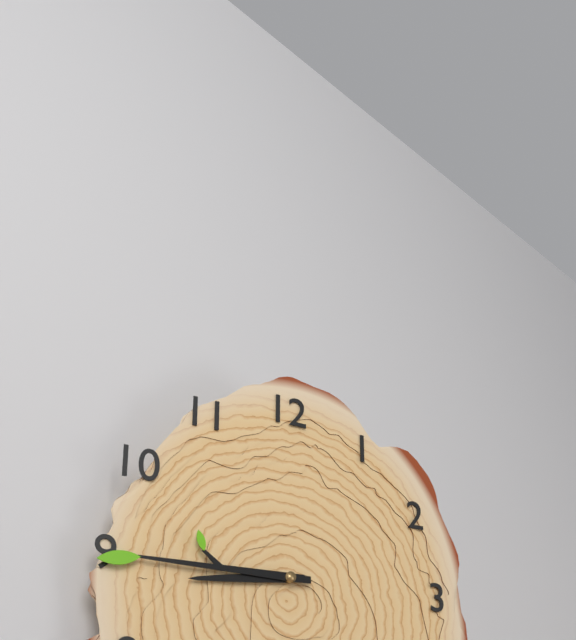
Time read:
8,45
